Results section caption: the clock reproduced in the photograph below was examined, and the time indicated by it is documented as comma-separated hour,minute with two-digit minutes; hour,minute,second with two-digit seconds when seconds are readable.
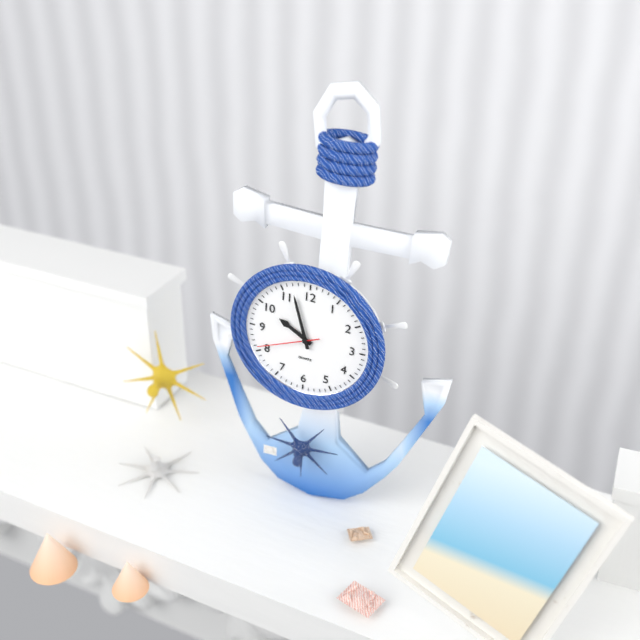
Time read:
9,57,41
